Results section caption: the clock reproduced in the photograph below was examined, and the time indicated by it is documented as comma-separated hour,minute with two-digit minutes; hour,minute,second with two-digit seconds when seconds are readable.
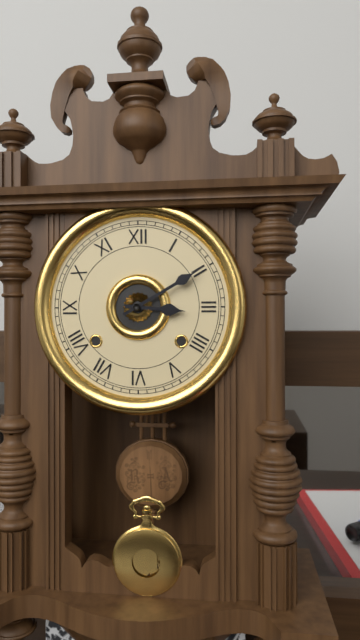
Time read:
3,10
